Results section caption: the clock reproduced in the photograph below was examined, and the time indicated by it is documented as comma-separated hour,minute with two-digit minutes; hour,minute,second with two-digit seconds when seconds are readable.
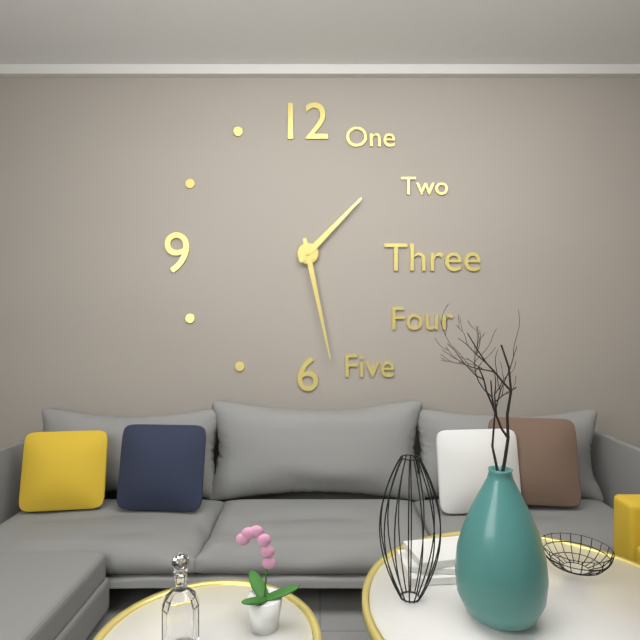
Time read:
1,28
